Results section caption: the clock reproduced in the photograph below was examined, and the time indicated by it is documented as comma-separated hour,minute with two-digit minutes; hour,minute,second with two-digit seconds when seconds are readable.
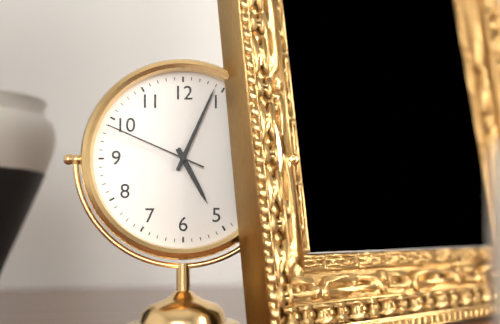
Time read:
5,04,49
